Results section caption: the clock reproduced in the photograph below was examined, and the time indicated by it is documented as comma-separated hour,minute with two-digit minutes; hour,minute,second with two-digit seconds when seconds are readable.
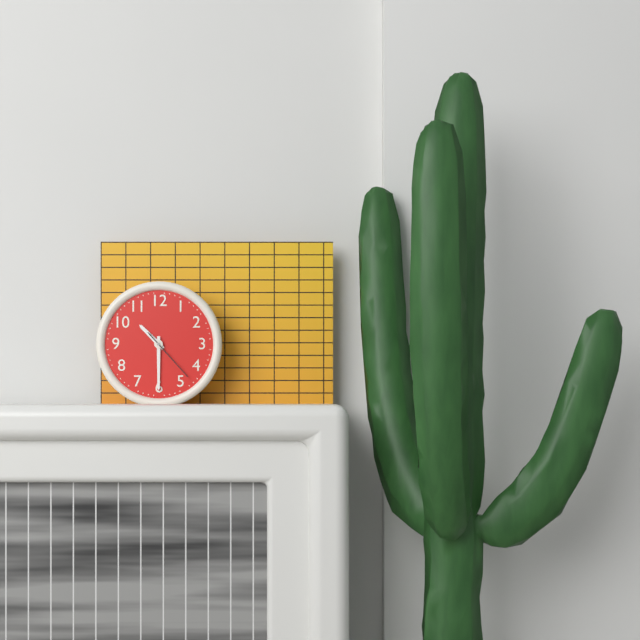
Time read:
10,30,23
